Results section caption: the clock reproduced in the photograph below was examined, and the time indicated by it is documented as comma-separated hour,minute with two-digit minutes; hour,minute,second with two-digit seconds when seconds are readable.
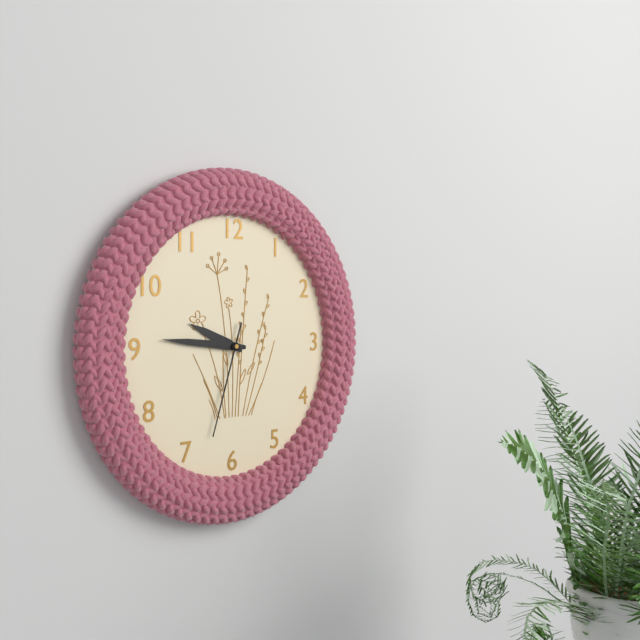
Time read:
9,46,33
